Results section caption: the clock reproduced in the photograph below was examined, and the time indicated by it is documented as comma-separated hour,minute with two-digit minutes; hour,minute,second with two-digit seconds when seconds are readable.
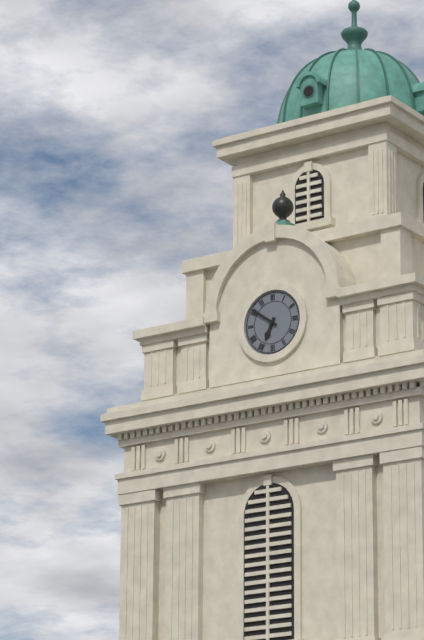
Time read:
6,51
